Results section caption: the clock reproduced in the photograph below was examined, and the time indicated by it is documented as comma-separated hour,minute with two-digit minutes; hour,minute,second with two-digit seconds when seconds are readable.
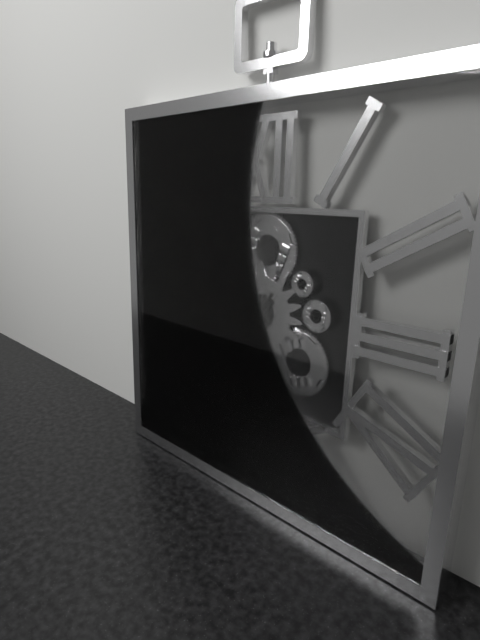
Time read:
7,35
